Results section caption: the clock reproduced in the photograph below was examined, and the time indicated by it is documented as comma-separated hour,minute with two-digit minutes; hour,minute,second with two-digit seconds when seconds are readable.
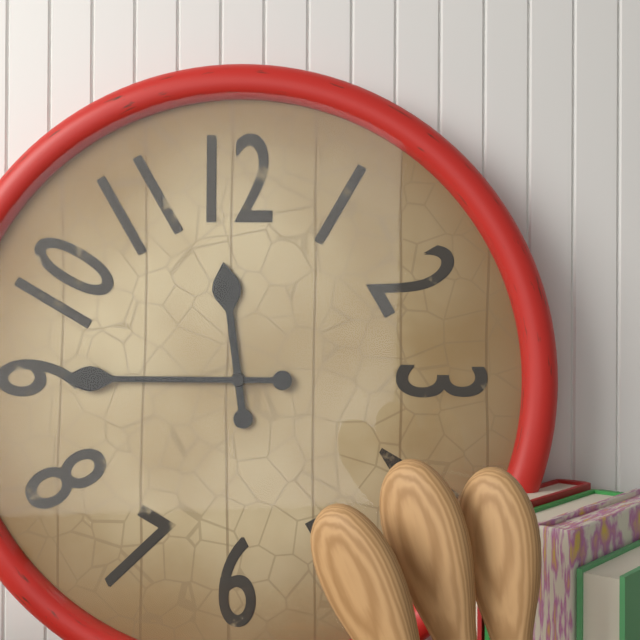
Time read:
11,45
